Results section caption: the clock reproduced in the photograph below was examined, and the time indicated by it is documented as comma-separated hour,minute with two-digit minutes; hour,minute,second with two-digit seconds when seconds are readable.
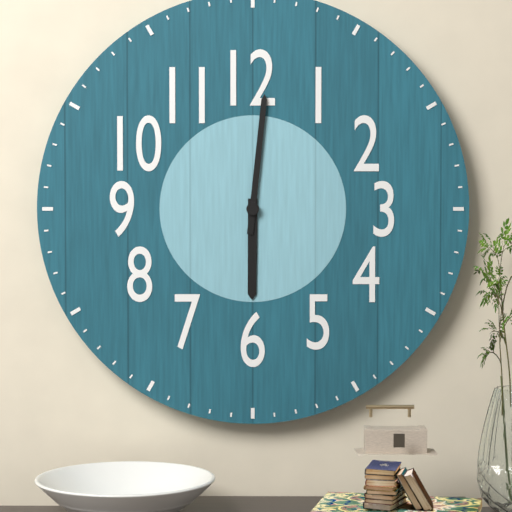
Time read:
6,01
